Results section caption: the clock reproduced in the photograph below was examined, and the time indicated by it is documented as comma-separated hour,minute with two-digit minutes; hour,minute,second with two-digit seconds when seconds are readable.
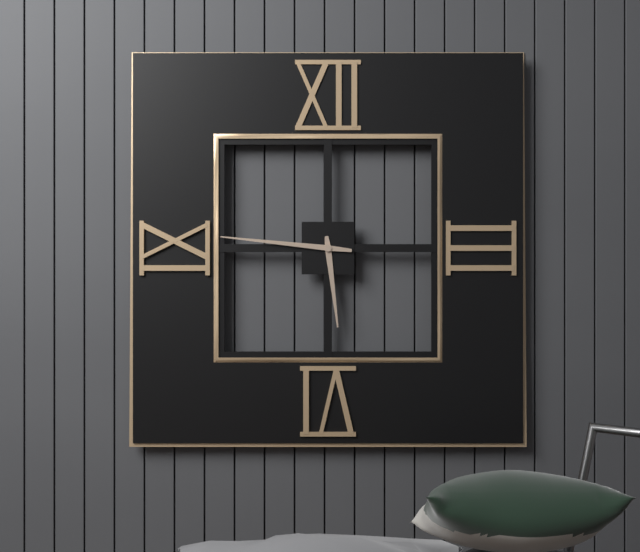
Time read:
5,46
